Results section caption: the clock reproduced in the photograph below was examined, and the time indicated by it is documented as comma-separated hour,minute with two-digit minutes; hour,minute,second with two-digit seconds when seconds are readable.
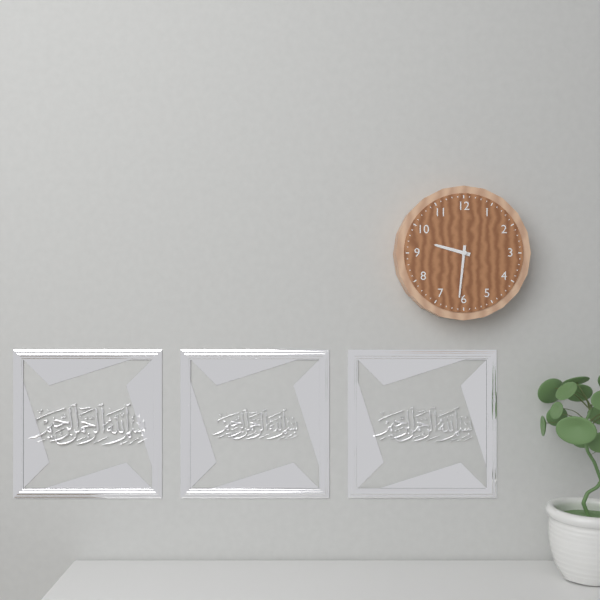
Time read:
9,31
